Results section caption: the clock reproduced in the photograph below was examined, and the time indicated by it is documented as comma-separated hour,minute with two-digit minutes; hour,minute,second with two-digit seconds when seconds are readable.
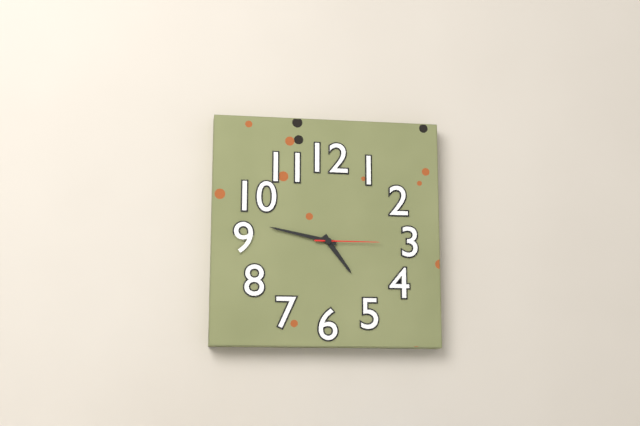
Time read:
4,47,15
